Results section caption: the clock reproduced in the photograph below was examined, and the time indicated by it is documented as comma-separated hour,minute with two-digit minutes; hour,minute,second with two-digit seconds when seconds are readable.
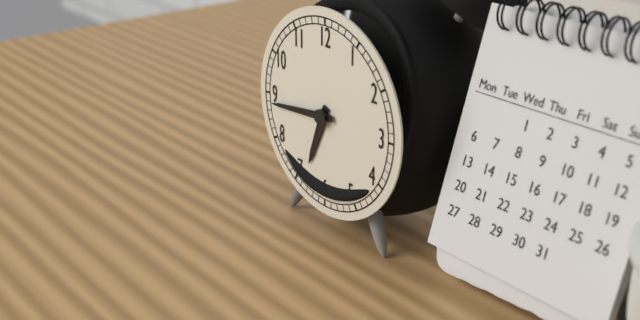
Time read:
6,44
